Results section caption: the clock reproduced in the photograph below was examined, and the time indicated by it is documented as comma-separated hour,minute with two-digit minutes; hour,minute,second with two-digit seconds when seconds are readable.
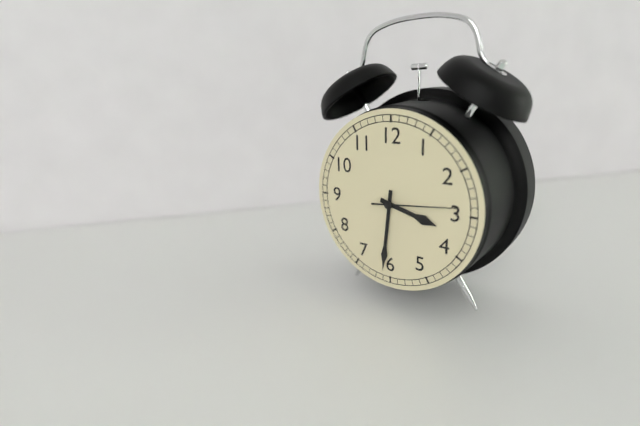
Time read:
3,31,14
